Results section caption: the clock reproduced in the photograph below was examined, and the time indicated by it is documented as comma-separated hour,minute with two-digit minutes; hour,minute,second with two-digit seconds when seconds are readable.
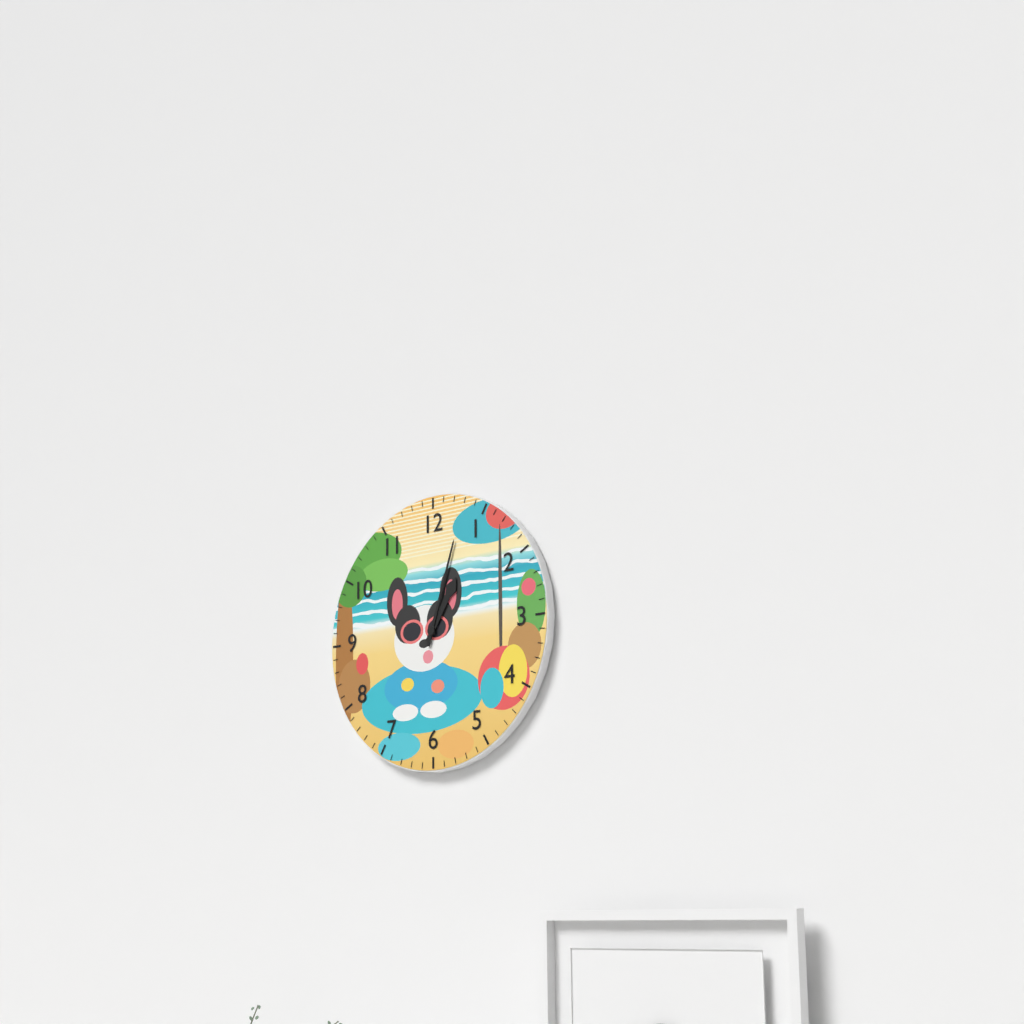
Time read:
1,03
